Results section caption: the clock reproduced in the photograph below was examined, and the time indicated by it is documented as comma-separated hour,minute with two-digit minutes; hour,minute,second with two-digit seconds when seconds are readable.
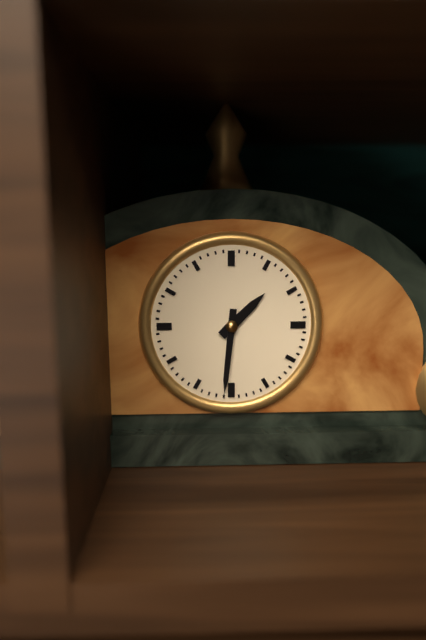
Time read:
1,31
